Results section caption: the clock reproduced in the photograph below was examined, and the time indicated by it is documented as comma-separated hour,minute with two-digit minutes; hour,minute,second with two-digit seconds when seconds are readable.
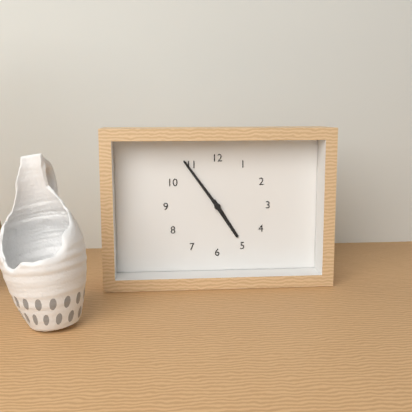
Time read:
4,54
